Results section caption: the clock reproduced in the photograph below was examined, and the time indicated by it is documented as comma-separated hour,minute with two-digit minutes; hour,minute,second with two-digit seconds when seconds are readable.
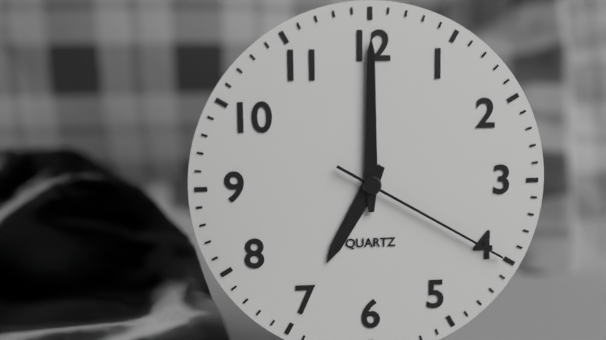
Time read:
7,00,20
